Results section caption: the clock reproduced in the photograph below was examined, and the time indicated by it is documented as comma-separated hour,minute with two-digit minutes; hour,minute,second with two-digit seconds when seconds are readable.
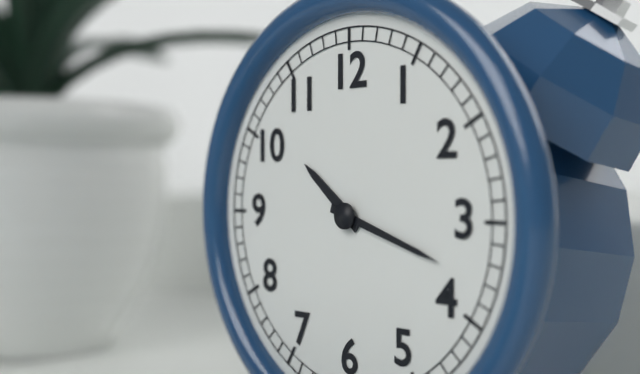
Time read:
10,18
